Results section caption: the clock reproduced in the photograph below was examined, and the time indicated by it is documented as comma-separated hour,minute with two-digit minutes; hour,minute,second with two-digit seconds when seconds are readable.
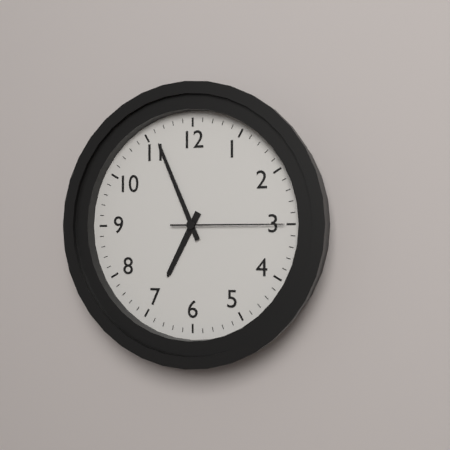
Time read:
6,56,15
